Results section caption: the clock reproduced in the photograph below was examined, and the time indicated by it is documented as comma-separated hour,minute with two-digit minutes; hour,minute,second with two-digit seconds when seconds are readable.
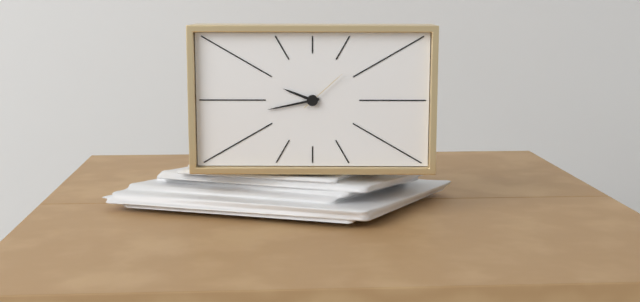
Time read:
9,43,08
